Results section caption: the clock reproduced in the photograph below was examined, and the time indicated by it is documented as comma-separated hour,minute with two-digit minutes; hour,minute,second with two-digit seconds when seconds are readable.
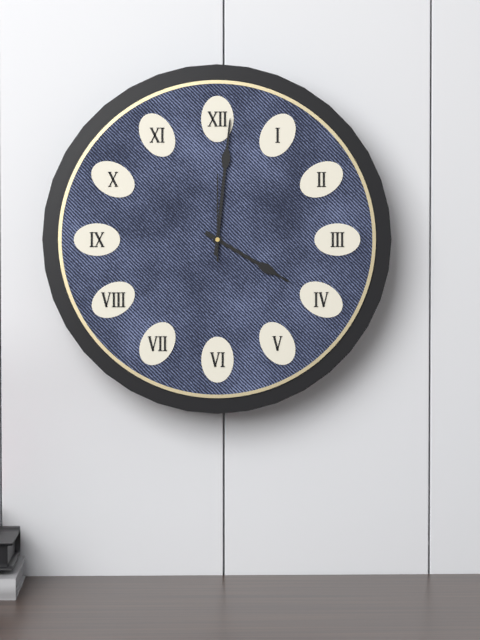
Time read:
4,01,00
